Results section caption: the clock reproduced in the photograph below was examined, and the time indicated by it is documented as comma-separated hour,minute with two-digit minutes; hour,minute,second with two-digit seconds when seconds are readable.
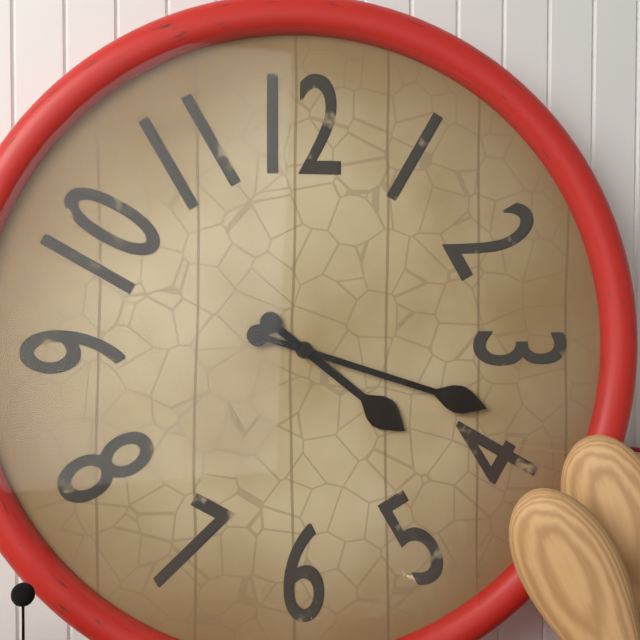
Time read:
4,18
